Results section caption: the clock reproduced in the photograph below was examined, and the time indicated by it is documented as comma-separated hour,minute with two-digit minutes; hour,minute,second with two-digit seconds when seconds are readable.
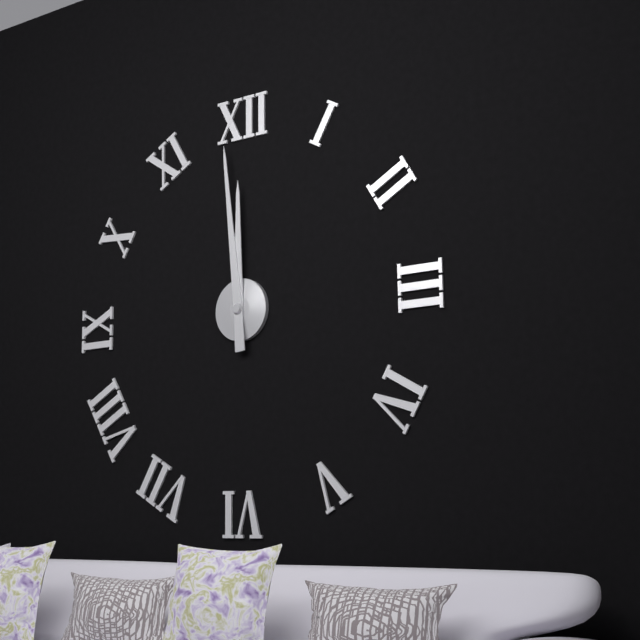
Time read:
11,59
